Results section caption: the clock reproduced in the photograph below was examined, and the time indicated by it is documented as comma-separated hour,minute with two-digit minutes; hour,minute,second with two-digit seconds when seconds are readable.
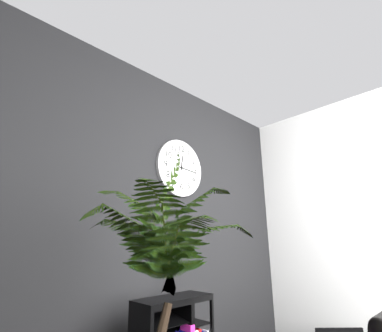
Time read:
12,16
